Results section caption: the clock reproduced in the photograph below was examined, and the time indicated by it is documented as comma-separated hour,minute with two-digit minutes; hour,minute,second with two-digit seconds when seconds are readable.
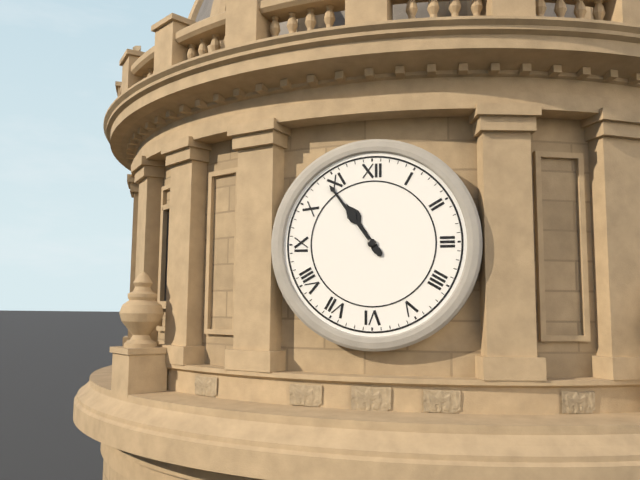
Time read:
10,54
